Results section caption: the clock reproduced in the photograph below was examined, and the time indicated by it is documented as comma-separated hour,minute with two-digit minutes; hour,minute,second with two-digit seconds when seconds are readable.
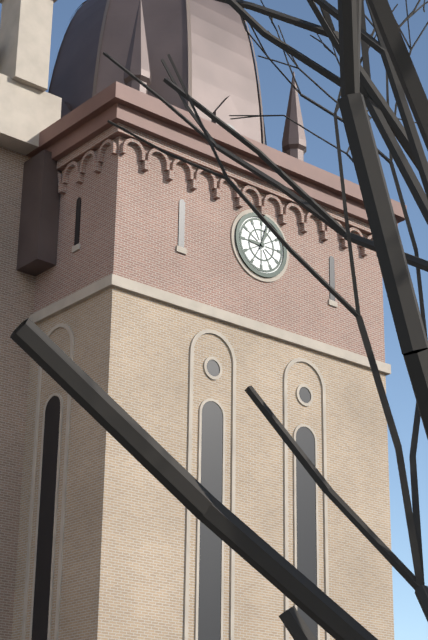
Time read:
9,03
